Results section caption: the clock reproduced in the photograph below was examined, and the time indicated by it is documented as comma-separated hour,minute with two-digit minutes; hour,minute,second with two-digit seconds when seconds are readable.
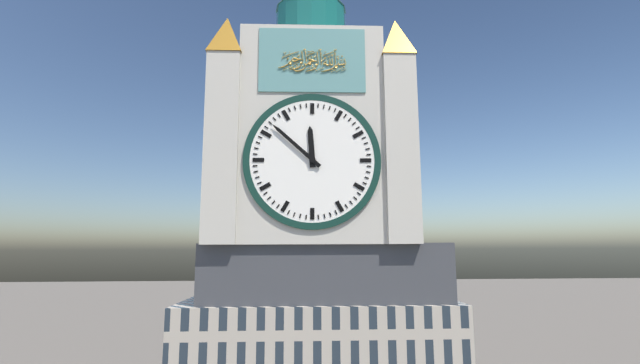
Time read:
11,52
